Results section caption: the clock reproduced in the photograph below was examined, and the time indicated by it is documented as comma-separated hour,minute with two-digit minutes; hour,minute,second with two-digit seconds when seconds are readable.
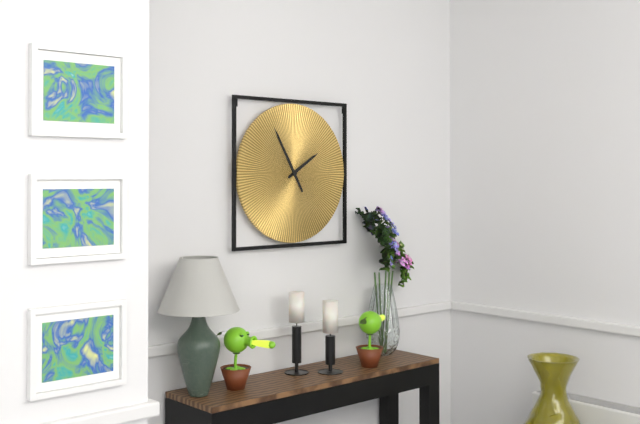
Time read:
1,55
